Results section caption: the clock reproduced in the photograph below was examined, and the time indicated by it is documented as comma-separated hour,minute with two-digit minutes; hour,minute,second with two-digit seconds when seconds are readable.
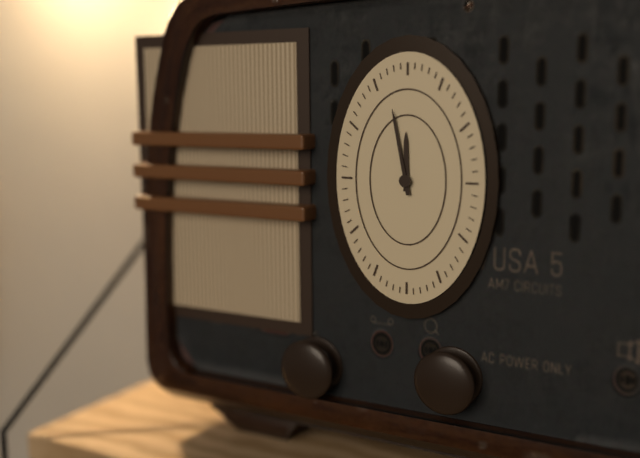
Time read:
11,58
